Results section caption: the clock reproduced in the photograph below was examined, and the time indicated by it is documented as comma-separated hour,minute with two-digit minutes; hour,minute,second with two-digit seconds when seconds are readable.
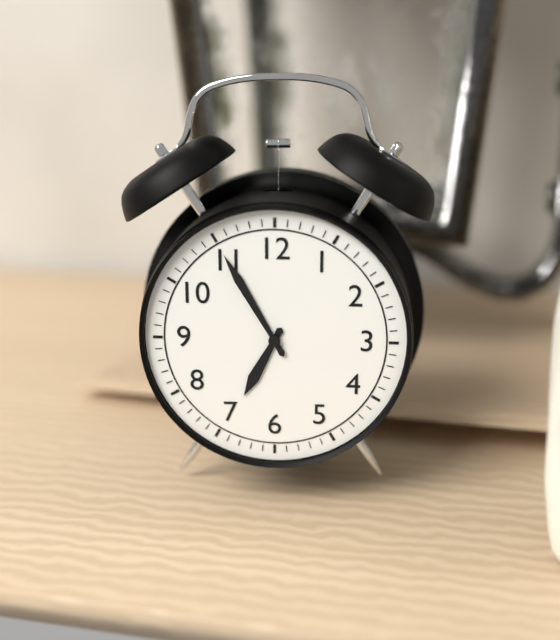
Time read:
6,55
